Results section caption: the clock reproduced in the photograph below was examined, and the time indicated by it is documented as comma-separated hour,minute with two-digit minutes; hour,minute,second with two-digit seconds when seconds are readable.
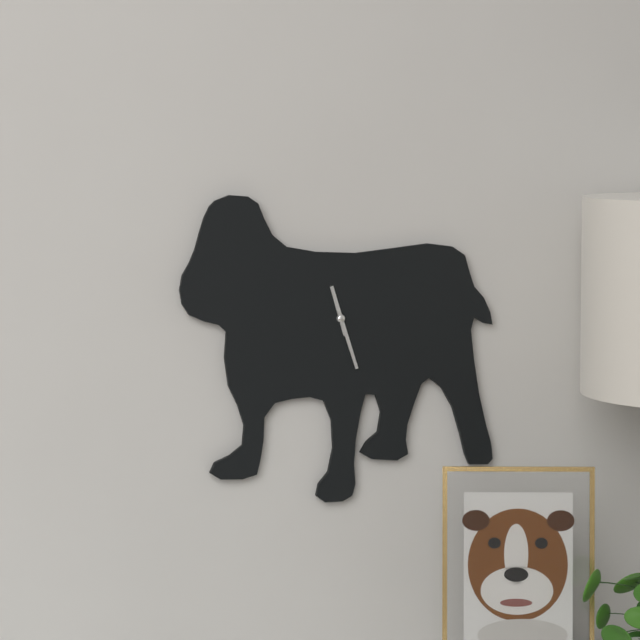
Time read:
11,27
